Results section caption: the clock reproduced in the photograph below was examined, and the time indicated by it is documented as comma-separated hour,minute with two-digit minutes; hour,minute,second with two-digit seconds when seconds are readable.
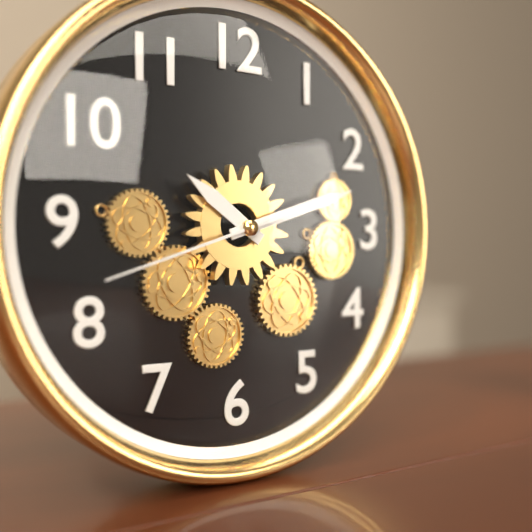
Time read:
10,12,42
